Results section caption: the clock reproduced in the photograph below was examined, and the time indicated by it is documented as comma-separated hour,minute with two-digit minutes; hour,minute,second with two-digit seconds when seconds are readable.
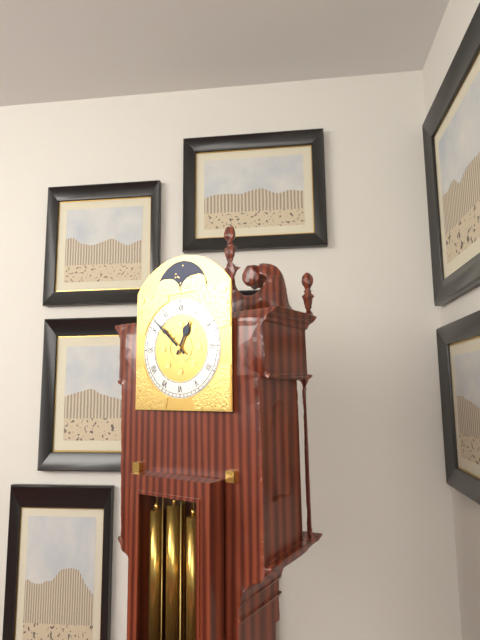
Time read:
12,52
